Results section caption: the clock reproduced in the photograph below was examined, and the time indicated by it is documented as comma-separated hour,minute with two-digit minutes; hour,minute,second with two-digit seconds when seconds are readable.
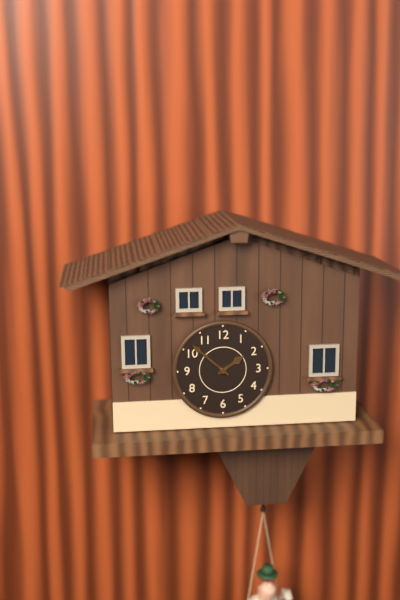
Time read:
1,52
